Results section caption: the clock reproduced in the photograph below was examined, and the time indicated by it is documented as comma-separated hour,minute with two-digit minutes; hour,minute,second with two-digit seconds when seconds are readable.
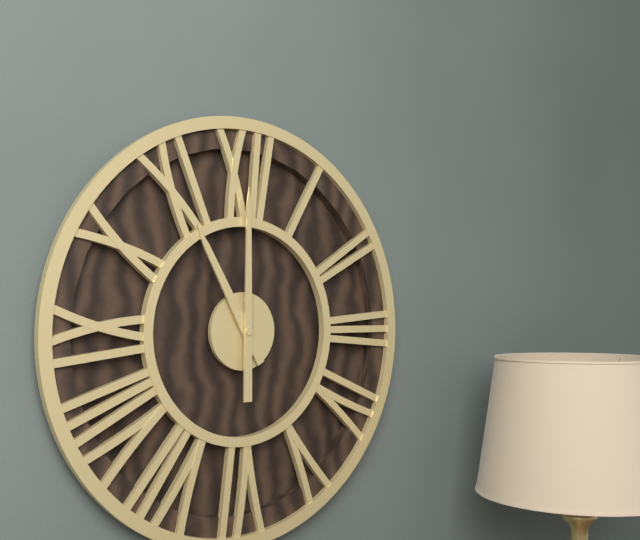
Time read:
11,00
